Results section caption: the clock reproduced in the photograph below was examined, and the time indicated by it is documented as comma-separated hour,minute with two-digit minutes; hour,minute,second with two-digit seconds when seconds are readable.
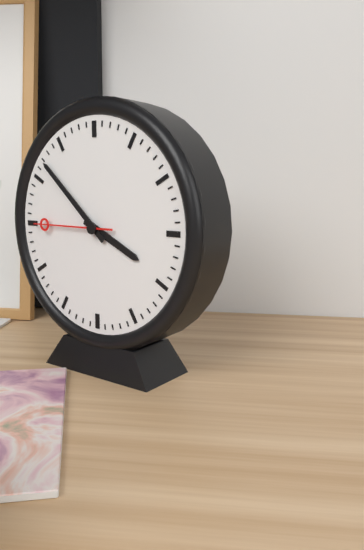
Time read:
3,52,45
